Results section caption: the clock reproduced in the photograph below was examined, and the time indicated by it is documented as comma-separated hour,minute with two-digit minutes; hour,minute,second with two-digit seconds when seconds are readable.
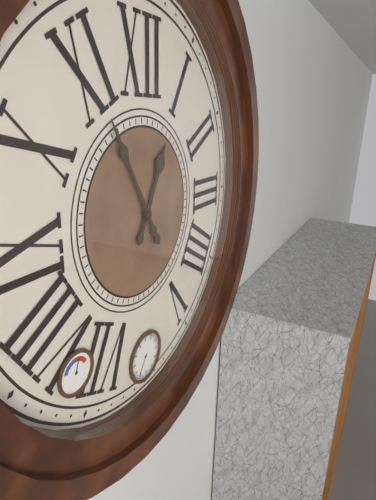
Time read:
12,55
